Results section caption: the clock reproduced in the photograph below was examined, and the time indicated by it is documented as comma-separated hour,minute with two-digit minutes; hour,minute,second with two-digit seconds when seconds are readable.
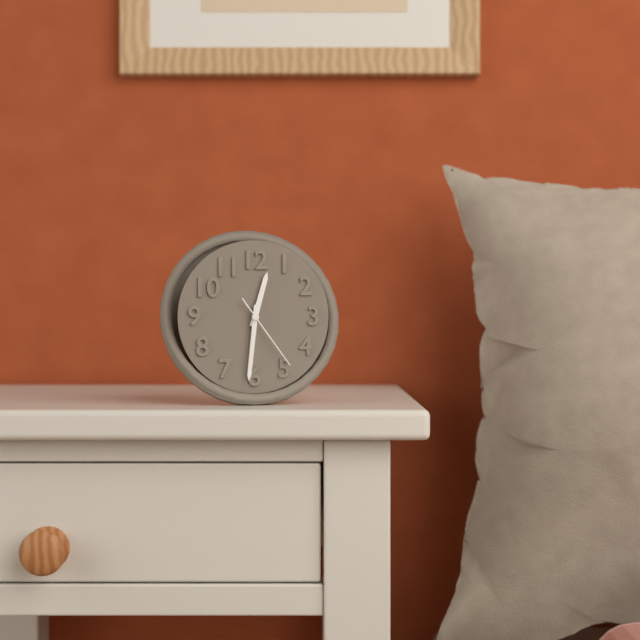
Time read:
12,31,24
